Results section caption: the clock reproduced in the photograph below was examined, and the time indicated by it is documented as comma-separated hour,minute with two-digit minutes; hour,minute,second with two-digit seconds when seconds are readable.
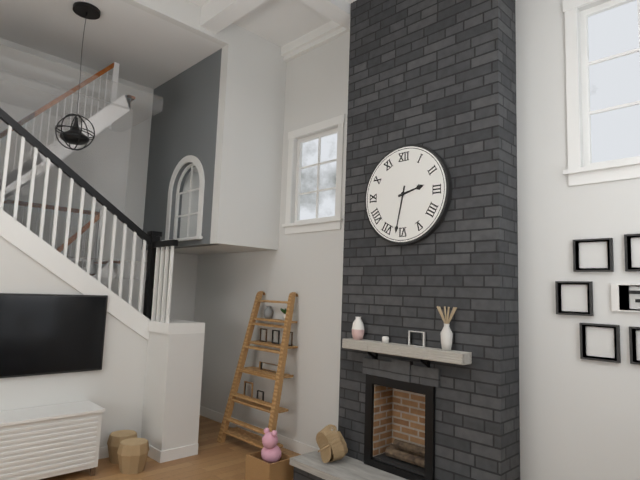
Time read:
2,32
